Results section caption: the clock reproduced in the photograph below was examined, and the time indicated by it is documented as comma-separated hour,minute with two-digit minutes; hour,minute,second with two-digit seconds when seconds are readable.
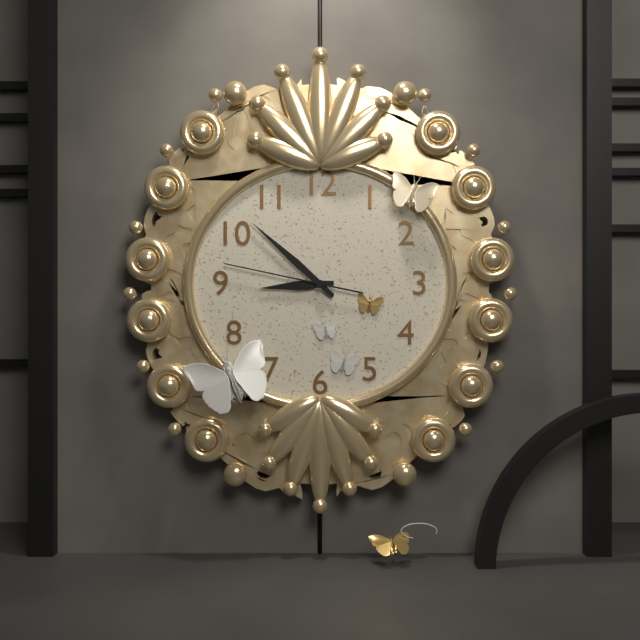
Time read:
8,52,47
